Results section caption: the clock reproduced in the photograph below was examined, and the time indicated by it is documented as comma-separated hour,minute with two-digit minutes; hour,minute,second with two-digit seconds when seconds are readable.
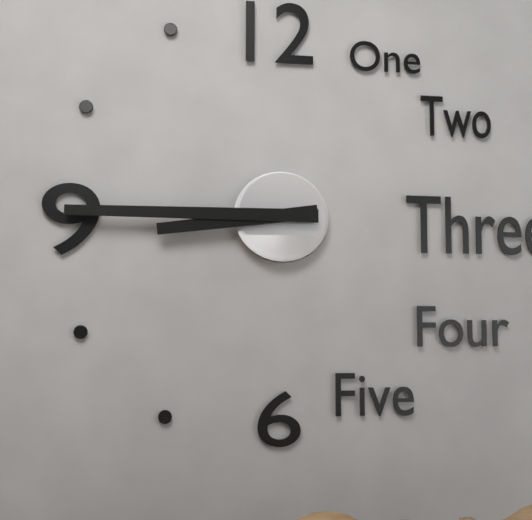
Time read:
8,45
